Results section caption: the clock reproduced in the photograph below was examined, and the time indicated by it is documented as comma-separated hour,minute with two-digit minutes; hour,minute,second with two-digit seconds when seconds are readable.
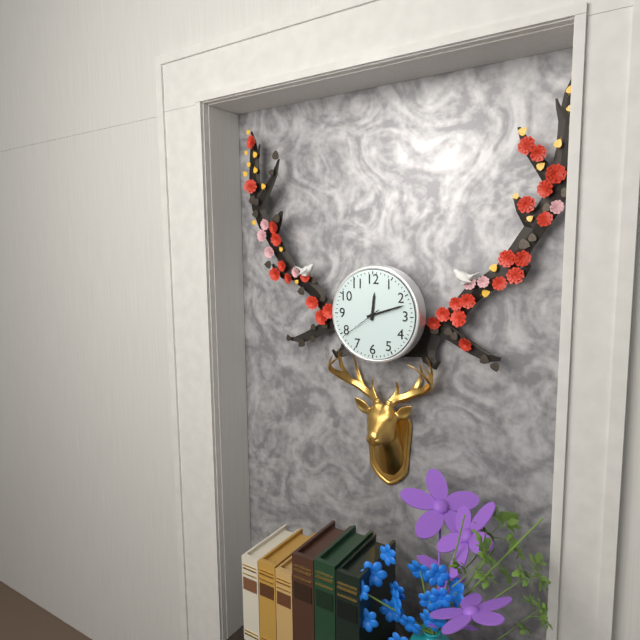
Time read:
12,12
